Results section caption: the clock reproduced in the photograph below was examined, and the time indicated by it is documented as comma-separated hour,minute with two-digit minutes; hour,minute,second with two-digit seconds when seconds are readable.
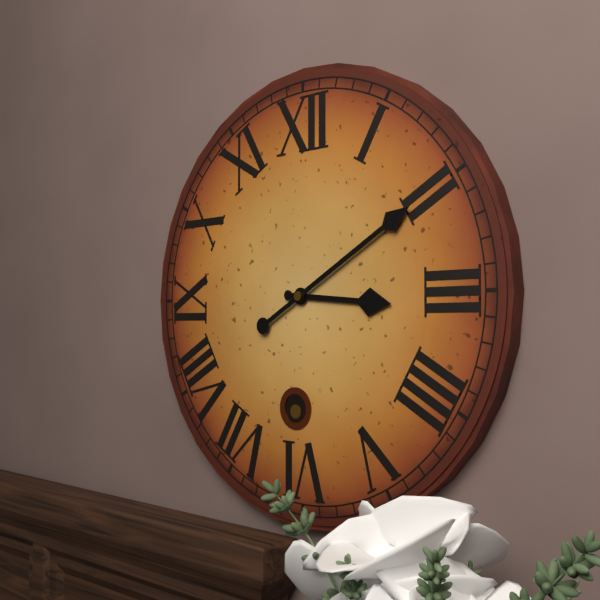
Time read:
3,10
